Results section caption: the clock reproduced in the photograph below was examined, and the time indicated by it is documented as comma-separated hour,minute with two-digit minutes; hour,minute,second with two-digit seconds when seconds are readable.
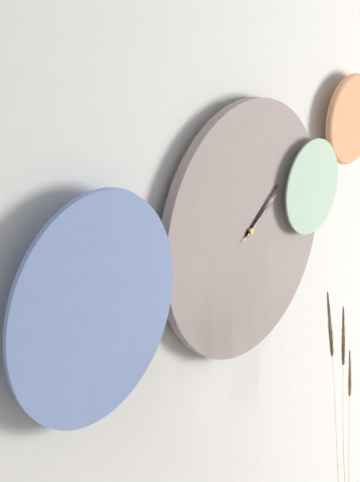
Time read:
2,09,10
